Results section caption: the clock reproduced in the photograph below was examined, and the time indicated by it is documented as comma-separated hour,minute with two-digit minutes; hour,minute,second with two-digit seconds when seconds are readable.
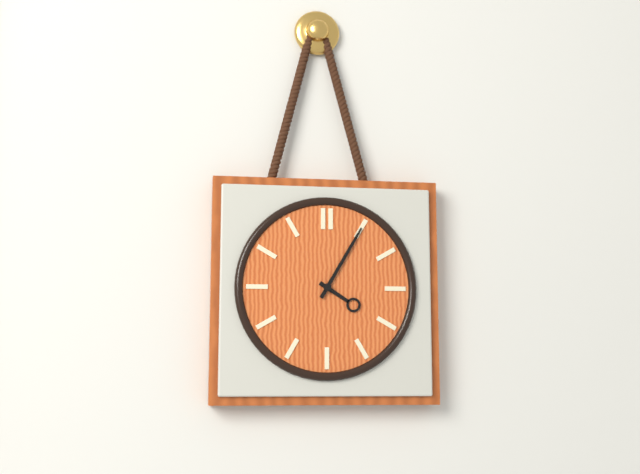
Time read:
4,05
